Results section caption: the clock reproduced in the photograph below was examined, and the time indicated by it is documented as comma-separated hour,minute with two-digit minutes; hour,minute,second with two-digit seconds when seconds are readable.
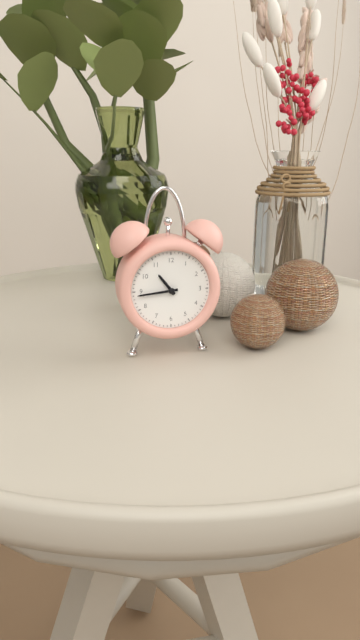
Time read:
10,44
